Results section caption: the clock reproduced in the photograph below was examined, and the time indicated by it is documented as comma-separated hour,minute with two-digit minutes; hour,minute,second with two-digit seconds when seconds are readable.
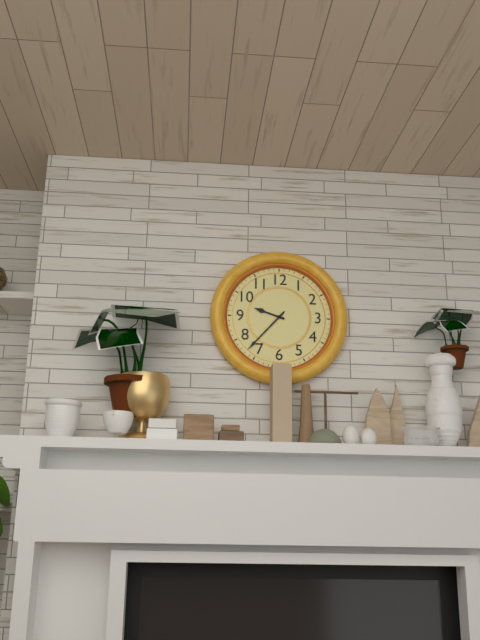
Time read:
9,37
